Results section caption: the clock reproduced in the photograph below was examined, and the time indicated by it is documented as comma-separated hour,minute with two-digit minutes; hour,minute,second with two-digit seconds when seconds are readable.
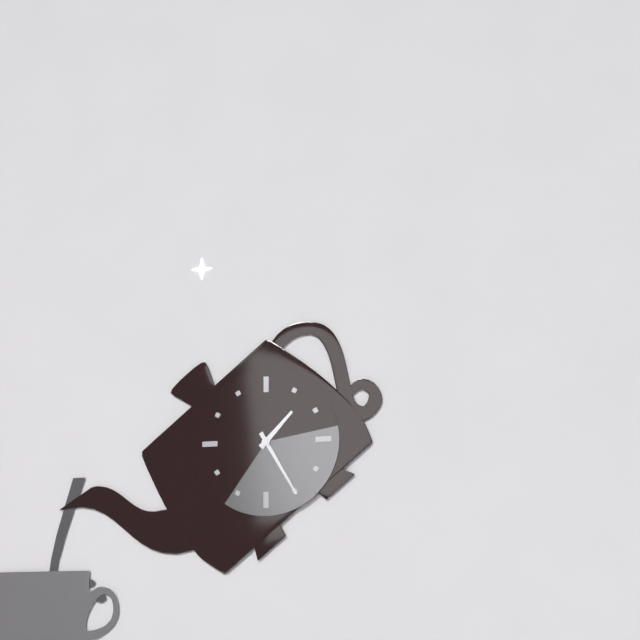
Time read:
1,25
